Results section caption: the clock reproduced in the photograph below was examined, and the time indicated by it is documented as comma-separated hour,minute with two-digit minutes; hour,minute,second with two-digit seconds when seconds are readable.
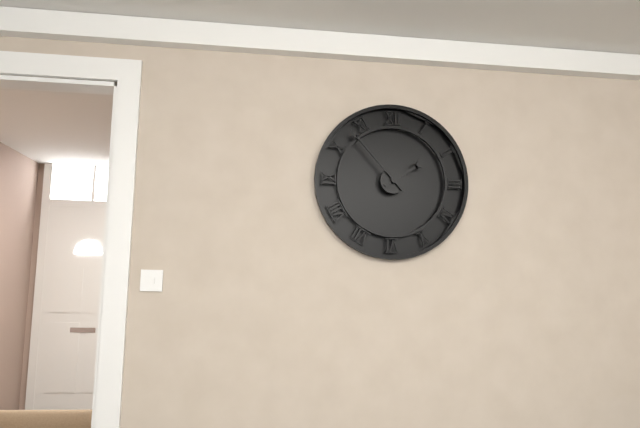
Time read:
1,53
